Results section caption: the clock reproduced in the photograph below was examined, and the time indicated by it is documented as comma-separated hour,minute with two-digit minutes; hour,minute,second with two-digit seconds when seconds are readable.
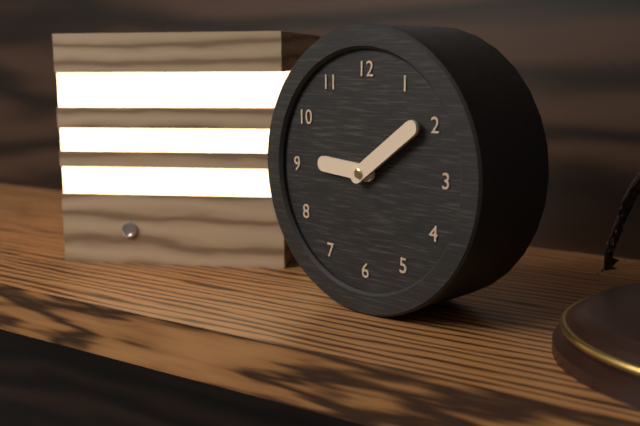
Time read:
9,09
